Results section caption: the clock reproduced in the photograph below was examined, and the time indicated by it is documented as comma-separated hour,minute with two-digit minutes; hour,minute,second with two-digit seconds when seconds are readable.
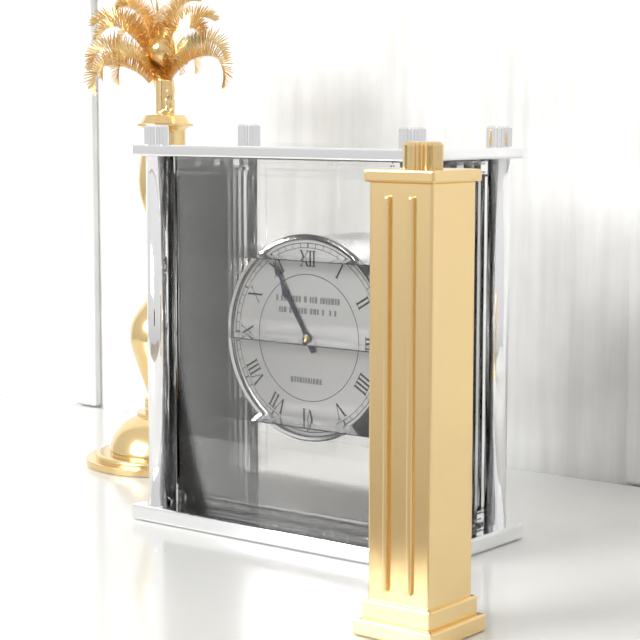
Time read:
10,55
